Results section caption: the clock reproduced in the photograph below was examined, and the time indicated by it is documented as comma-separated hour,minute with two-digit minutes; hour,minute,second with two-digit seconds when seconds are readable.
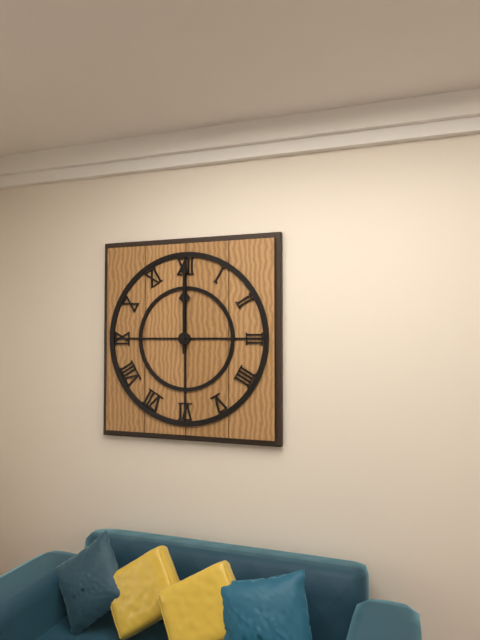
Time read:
12,00
